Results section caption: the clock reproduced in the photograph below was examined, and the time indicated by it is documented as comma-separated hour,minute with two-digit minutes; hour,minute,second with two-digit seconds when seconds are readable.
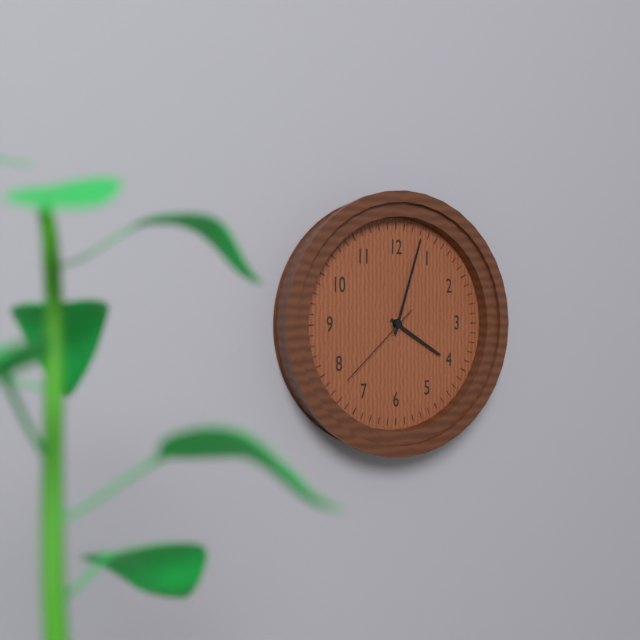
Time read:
4,03,38
